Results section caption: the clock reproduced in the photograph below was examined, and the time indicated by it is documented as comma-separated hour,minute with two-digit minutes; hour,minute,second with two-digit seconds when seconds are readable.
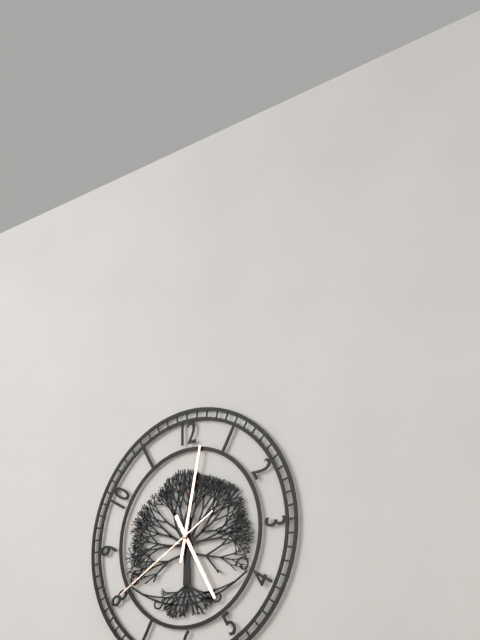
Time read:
5,02,40
